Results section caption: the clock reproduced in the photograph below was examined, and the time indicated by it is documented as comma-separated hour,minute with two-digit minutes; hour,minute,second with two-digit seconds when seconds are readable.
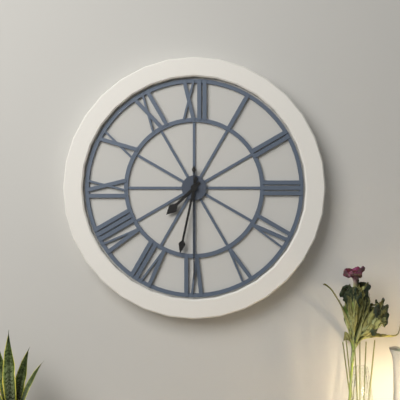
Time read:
7,32,30
